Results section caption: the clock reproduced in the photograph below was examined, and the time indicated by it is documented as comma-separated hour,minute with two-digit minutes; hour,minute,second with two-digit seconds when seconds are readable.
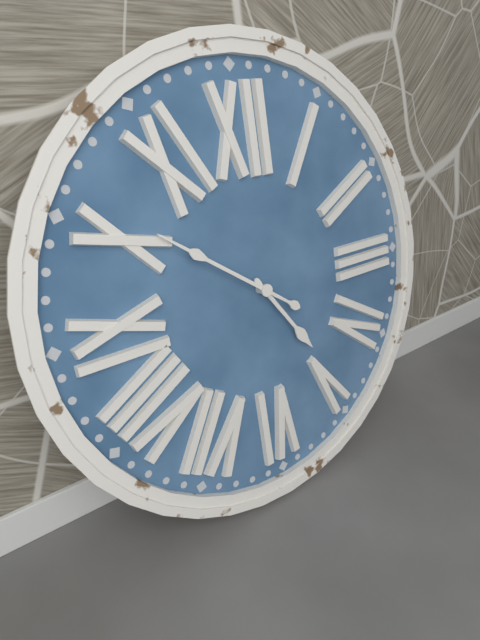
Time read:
4,51
